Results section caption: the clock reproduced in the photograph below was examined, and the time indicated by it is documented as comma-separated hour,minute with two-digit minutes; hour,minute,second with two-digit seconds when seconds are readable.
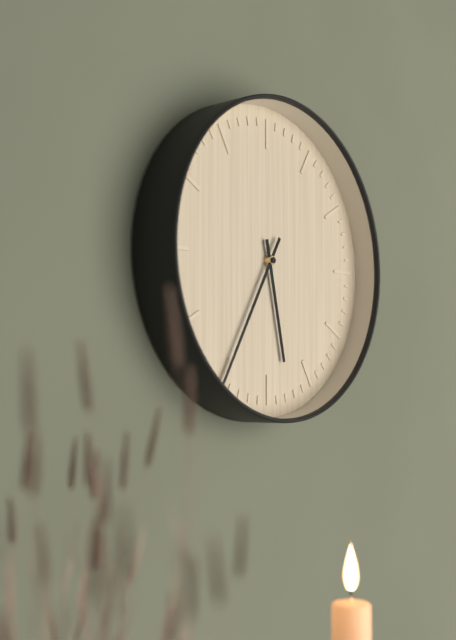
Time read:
5,35
